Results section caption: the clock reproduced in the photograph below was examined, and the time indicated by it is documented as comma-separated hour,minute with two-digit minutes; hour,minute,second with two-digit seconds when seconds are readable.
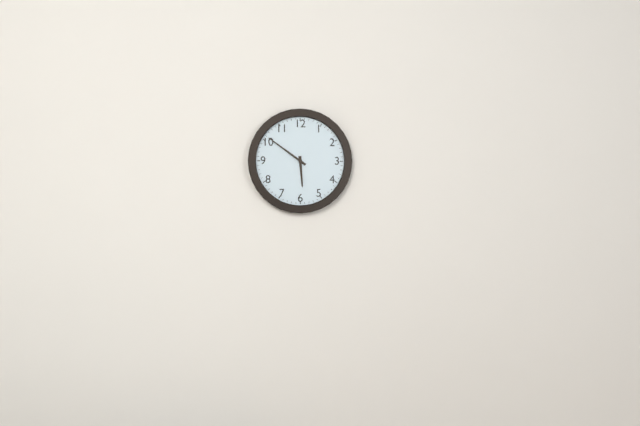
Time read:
5,51
